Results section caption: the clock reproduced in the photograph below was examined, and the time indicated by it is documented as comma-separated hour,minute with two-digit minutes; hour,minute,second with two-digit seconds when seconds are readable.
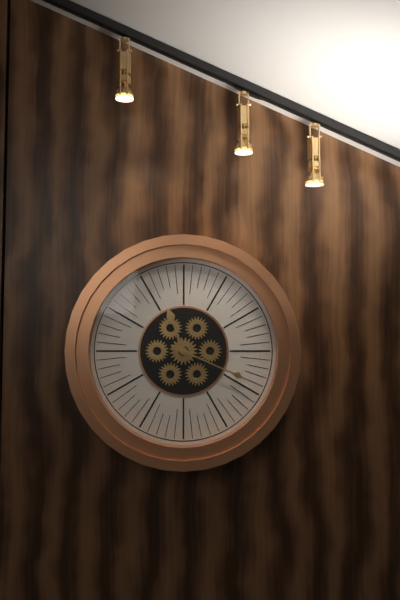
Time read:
11,19
